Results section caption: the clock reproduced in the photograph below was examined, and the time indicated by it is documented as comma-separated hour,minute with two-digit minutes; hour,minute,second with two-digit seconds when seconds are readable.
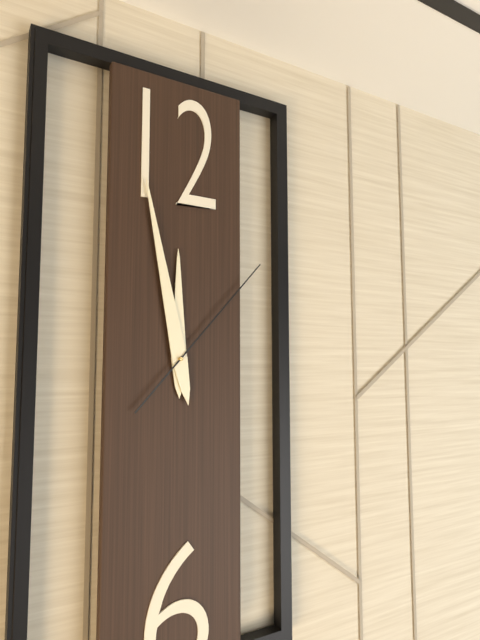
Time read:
11,58,07
